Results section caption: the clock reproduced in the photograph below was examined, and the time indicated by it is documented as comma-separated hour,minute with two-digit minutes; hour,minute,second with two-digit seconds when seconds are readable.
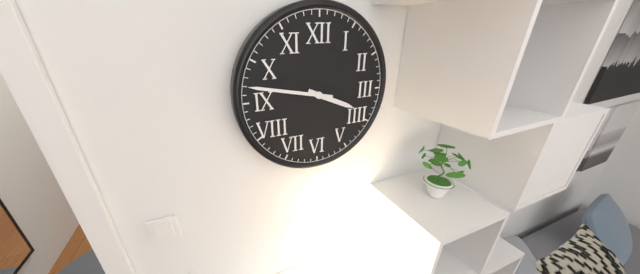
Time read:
3,47
